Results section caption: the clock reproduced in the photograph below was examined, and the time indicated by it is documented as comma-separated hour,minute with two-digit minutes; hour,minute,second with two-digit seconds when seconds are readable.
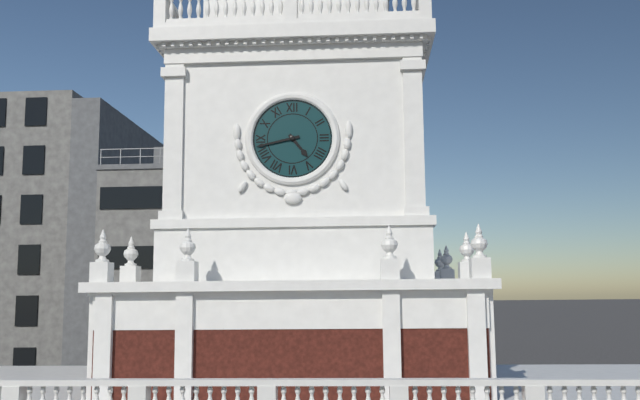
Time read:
4,43
